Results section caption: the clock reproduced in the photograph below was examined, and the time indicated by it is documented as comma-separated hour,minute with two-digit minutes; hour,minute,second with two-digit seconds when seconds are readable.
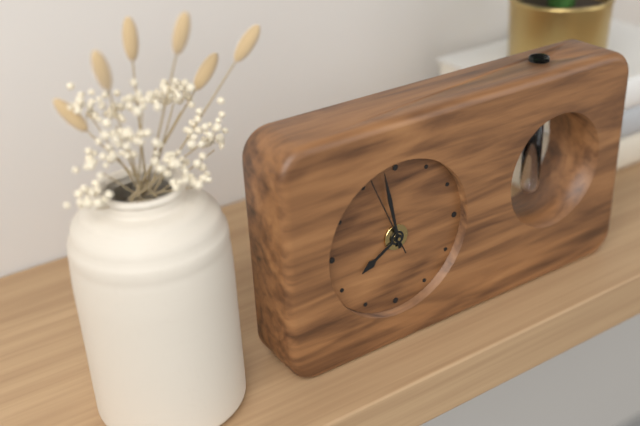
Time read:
7,58,56
